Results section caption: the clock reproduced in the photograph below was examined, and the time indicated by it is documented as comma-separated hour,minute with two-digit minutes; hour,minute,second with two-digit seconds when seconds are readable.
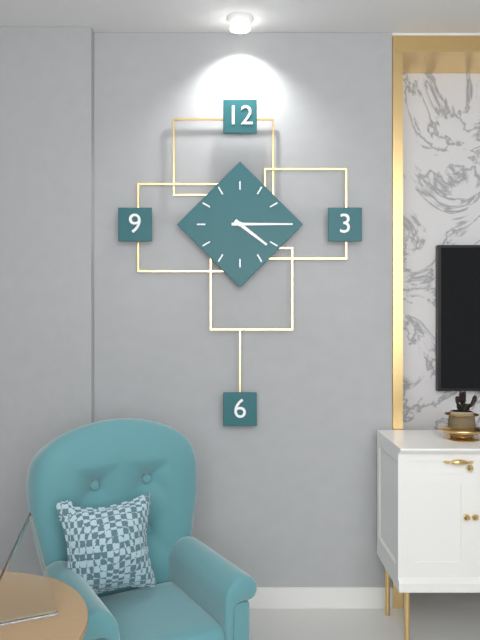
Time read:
4,15
